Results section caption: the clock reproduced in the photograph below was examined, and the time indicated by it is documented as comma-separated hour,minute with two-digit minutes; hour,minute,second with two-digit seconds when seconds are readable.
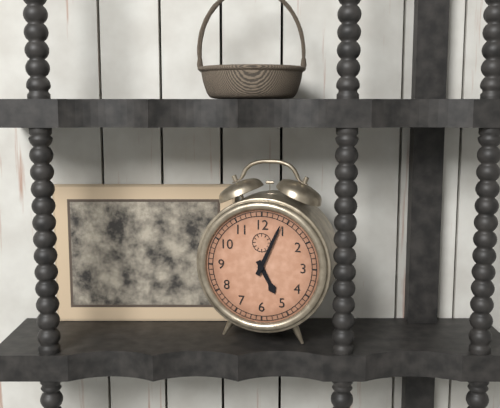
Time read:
5,04
